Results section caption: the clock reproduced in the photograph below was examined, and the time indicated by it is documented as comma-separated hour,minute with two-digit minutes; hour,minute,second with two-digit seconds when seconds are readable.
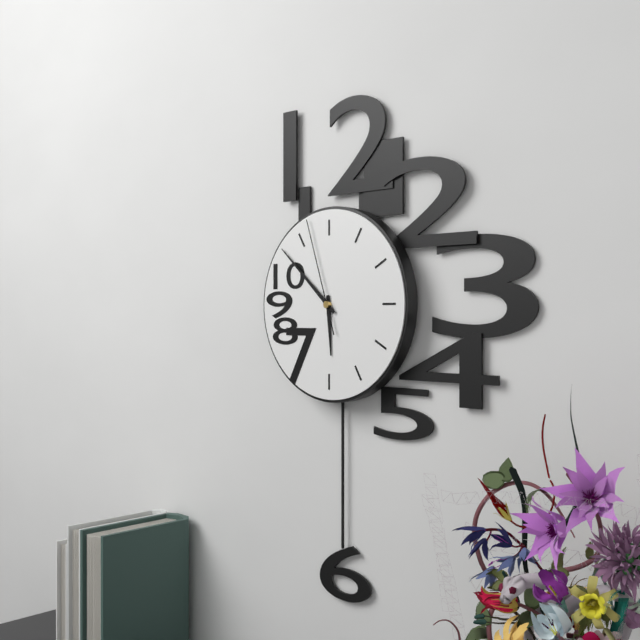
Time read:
5,52,57
